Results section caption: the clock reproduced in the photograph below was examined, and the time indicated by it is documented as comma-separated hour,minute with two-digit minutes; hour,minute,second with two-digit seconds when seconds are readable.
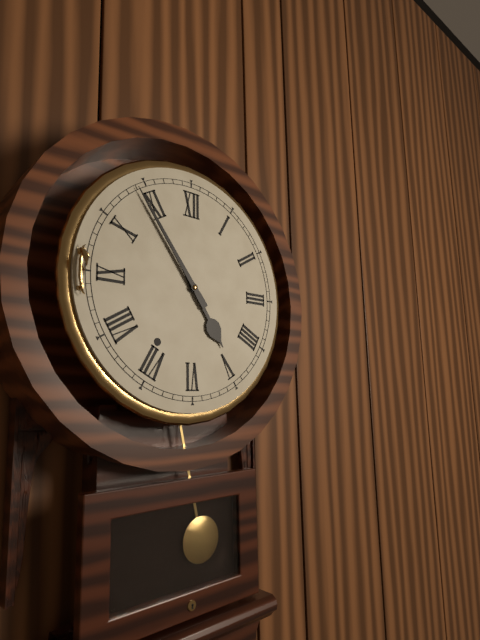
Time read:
4,54
